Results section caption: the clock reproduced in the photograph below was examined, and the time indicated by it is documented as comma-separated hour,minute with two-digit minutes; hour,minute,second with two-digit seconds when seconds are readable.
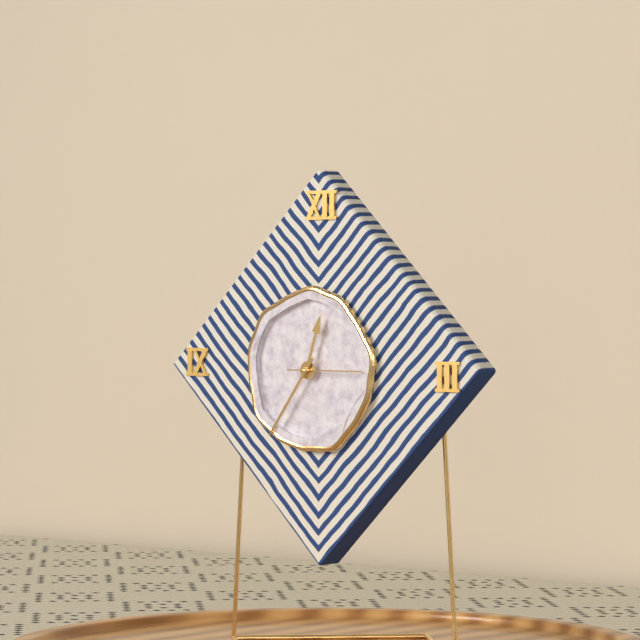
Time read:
12,36,15
